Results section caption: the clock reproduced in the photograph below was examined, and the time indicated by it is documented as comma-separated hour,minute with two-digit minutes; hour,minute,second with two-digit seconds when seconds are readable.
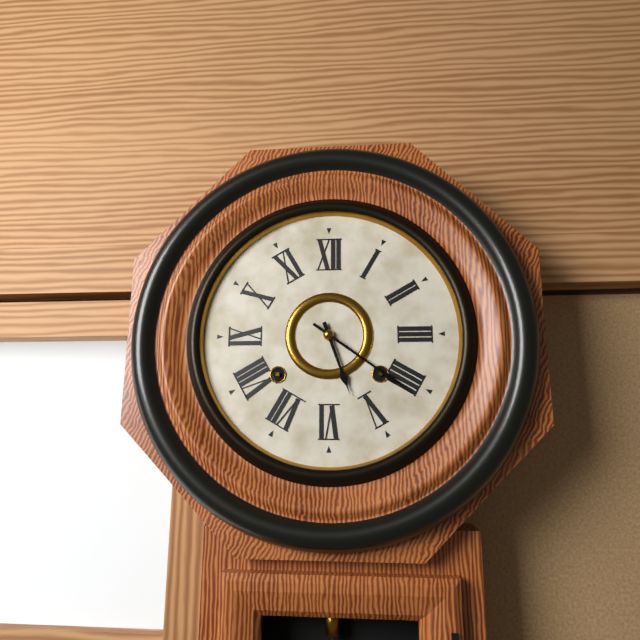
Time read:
5,21
